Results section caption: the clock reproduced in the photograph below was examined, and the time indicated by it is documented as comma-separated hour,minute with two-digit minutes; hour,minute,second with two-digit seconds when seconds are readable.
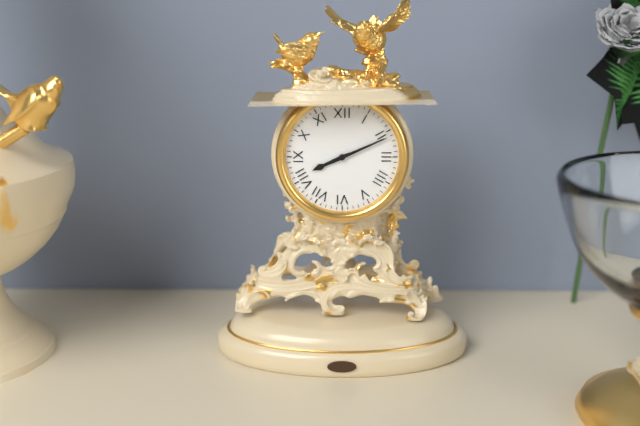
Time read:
8,11
